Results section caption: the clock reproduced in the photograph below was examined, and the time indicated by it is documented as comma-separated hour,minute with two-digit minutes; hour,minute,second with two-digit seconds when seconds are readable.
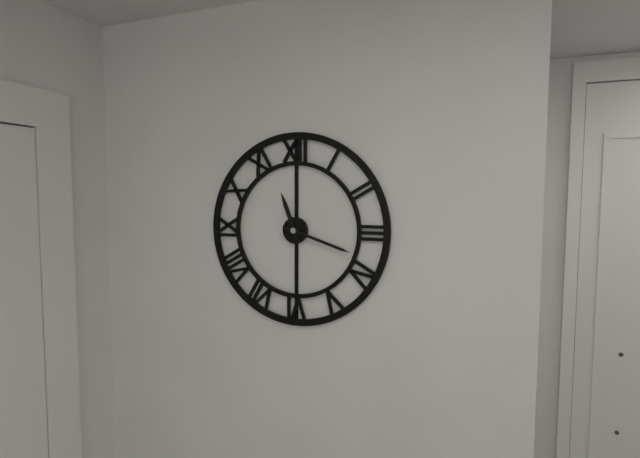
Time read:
11,18
